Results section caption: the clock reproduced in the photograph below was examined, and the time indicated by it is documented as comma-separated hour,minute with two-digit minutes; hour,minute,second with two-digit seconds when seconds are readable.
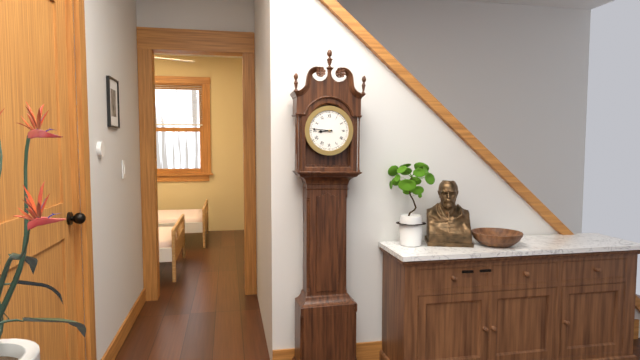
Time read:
8,46
